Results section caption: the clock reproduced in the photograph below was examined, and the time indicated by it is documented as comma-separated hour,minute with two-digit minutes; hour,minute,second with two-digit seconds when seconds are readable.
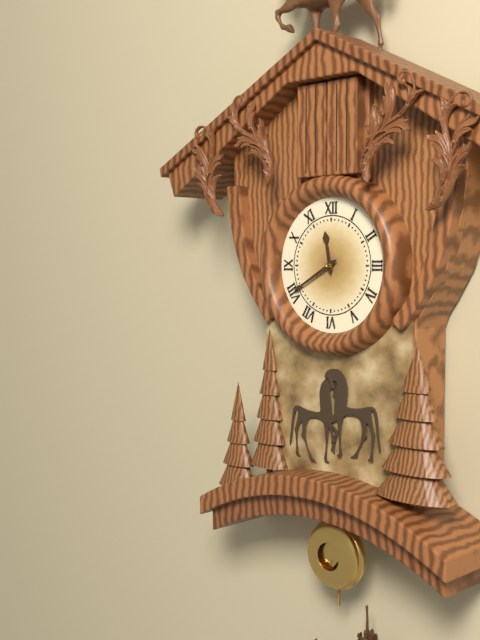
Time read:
11,40
